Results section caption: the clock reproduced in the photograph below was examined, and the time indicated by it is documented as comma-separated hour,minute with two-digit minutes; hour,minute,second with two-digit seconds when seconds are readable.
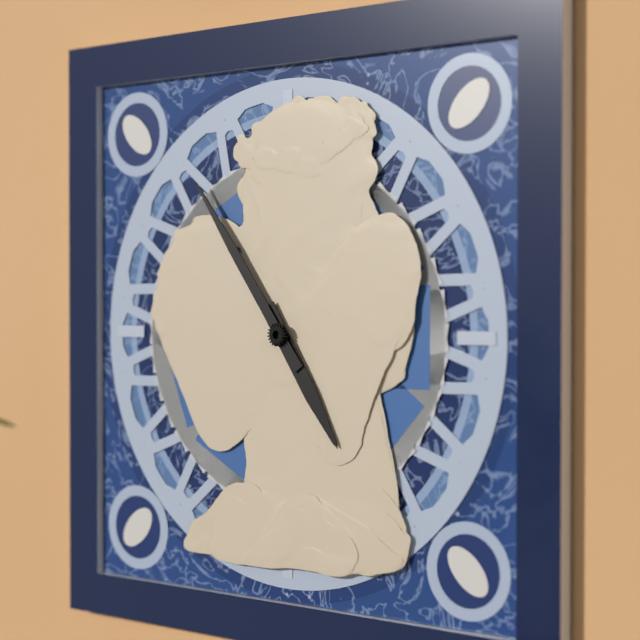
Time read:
4,54
